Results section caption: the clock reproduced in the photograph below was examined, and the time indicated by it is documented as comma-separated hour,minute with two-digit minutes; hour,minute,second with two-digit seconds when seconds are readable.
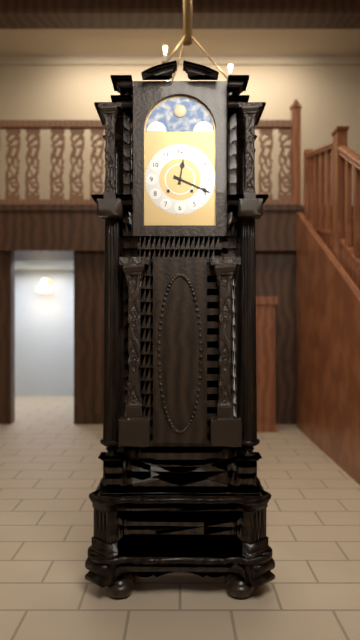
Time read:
12,19
